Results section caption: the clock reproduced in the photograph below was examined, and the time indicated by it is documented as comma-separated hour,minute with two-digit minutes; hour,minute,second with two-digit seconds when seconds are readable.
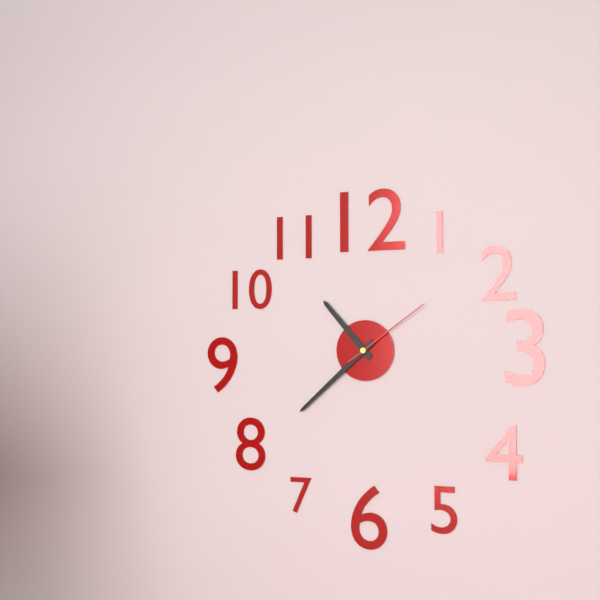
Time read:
10,38,09
